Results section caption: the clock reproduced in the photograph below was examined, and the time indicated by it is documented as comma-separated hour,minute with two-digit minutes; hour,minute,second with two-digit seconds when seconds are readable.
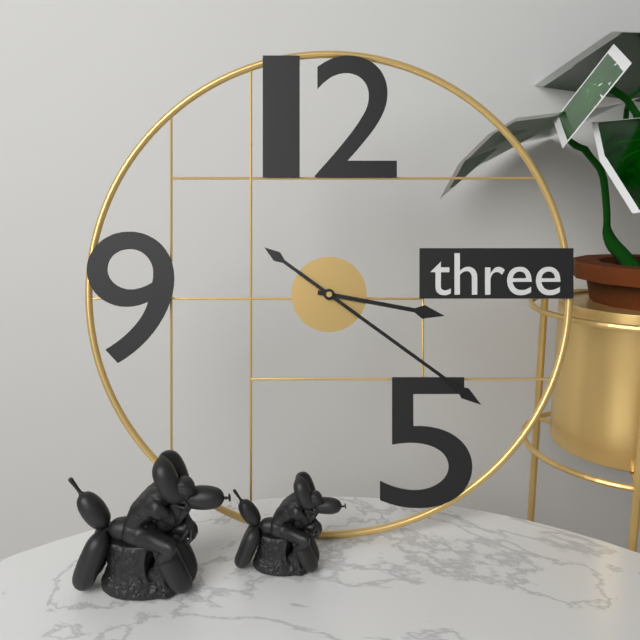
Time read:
3,21
